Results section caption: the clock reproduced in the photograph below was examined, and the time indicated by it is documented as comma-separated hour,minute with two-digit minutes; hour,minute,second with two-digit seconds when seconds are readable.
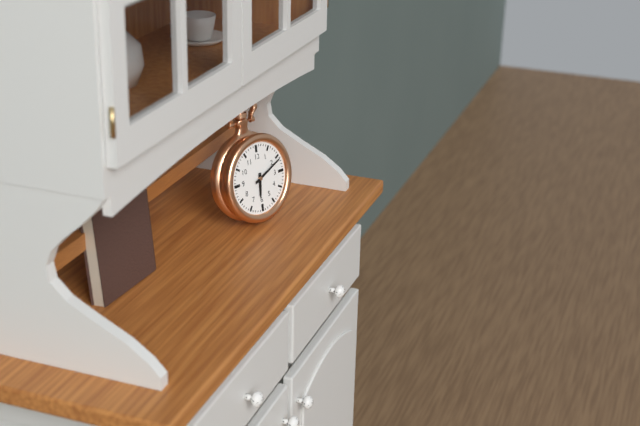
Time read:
6,11
